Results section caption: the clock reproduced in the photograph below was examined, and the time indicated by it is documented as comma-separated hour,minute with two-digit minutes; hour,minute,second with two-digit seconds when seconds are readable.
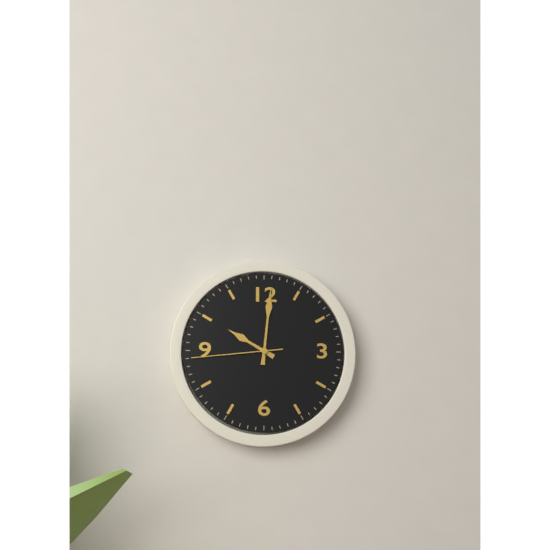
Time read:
10,01,44
